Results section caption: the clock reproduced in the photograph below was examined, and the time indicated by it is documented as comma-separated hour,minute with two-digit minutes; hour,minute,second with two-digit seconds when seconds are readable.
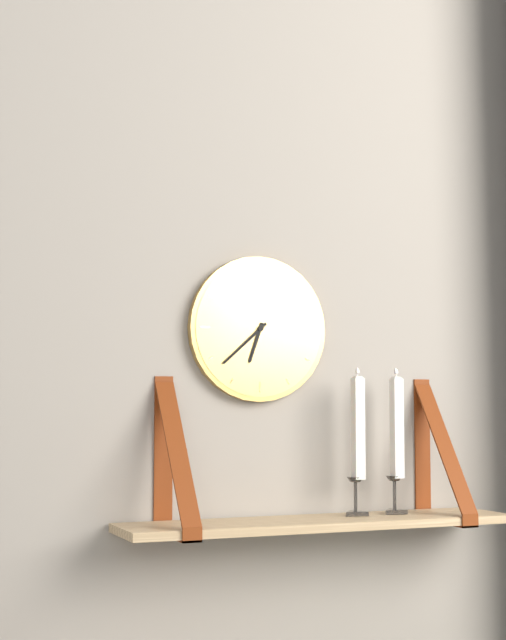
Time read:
6,38
